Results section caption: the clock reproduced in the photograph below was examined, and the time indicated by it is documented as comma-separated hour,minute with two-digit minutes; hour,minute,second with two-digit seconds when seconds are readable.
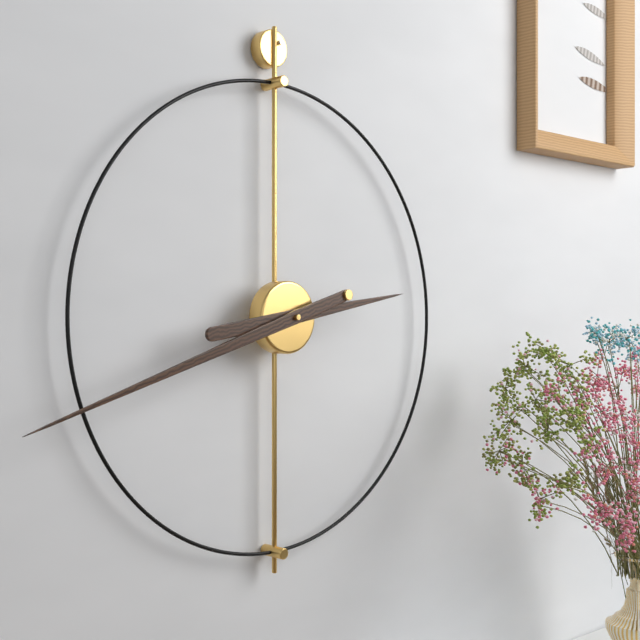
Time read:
2,42
